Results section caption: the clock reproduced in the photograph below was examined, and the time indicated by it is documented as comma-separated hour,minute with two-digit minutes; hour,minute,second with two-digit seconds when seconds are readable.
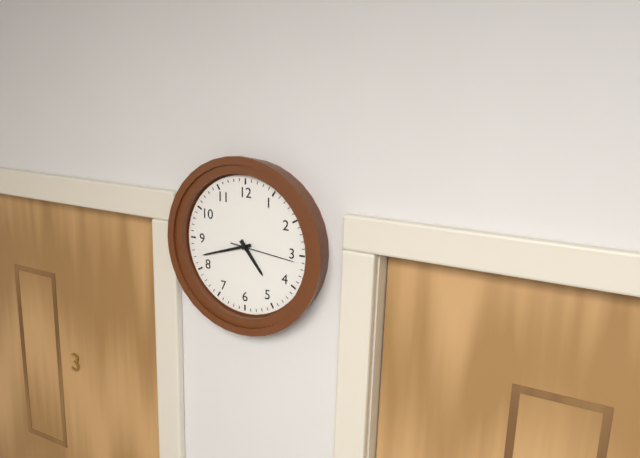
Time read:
4,42,16
